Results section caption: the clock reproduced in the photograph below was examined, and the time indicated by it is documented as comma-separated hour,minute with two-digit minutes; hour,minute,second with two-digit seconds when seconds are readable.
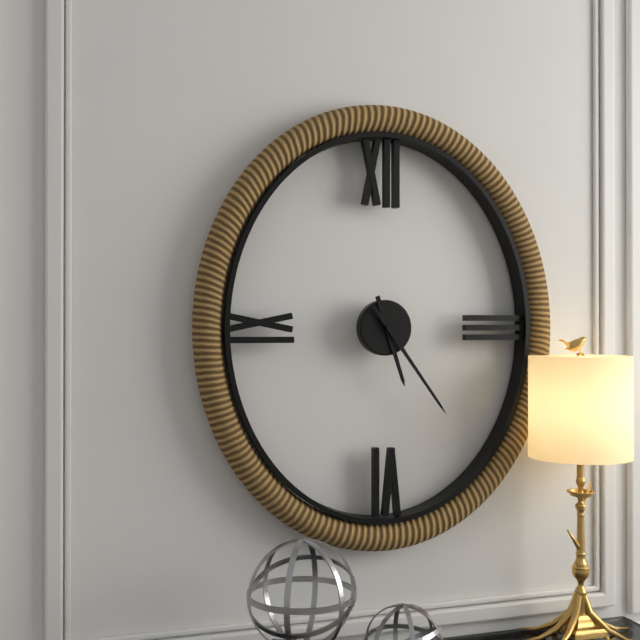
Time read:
5,24
